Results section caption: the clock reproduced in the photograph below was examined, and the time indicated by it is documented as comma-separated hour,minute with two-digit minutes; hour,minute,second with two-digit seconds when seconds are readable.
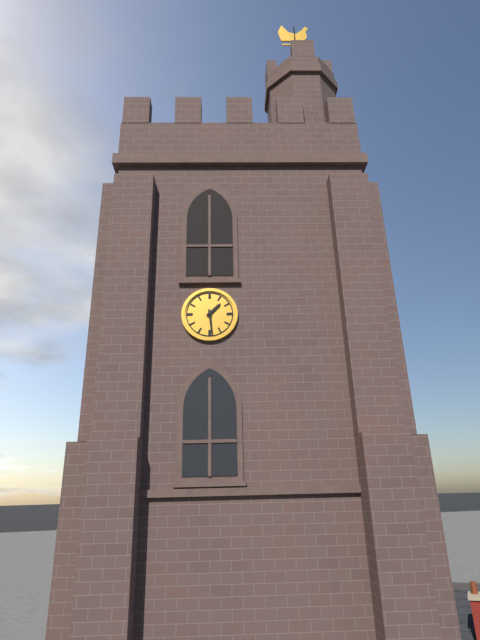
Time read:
1,29
